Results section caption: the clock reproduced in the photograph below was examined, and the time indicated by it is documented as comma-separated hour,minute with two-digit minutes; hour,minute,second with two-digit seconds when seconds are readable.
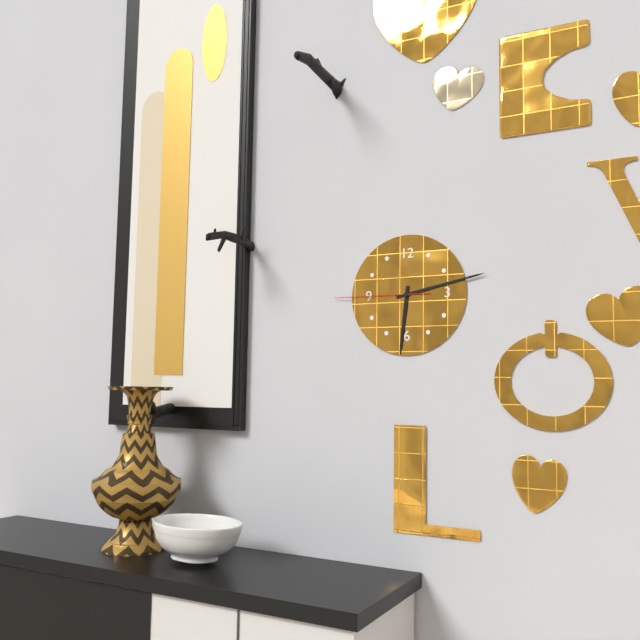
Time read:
6,13,45
